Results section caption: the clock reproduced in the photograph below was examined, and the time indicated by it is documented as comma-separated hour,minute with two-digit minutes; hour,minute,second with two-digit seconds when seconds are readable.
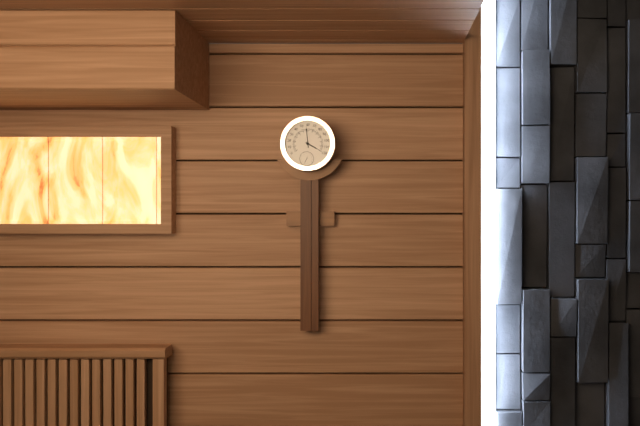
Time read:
3,59
